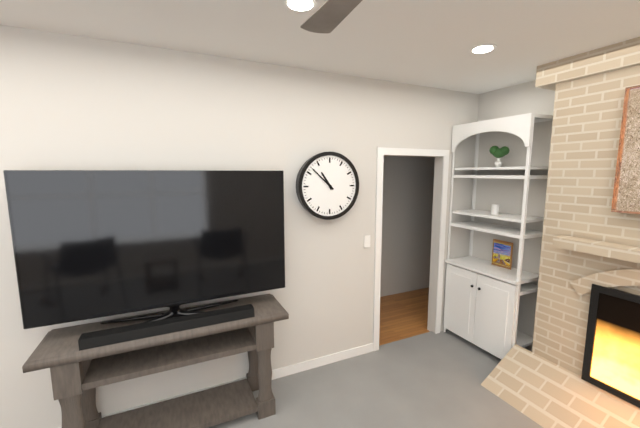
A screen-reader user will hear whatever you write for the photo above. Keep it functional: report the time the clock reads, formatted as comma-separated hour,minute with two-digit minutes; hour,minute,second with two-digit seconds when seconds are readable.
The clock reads 10,52
